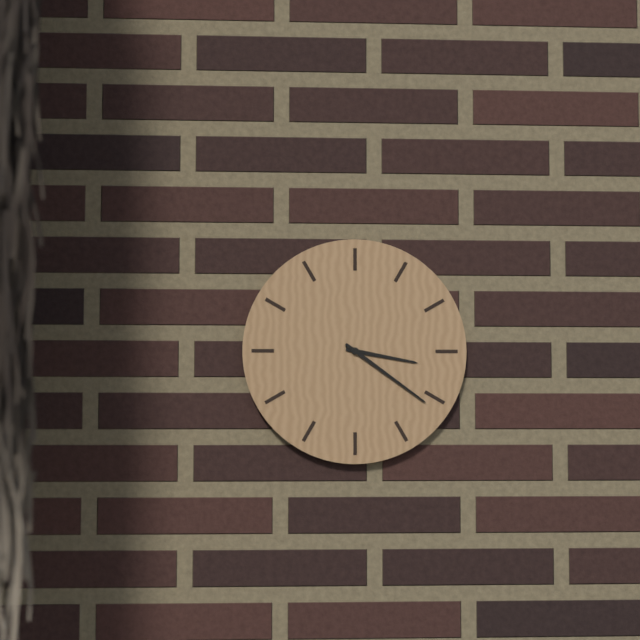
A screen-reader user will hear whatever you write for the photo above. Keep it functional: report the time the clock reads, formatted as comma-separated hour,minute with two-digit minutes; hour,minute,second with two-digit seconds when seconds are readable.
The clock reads 3,21
